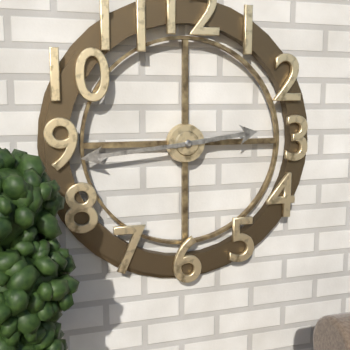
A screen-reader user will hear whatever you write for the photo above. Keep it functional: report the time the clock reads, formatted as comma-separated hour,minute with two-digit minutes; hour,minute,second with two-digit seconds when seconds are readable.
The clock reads 2,44
